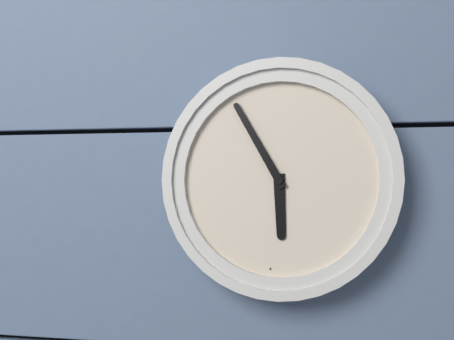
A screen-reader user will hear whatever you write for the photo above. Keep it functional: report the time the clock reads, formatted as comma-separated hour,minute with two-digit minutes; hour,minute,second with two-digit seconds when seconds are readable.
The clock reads 5,55
